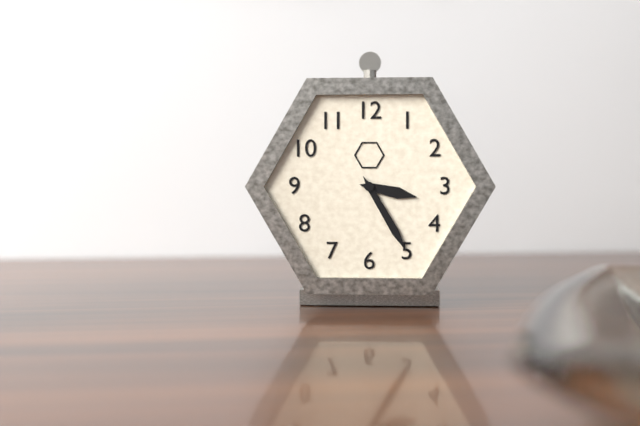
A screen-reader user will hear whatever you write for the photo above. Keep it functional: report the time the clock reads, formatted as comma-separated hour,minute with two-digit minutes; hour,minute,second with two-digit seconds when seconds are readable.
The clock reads 3,25
